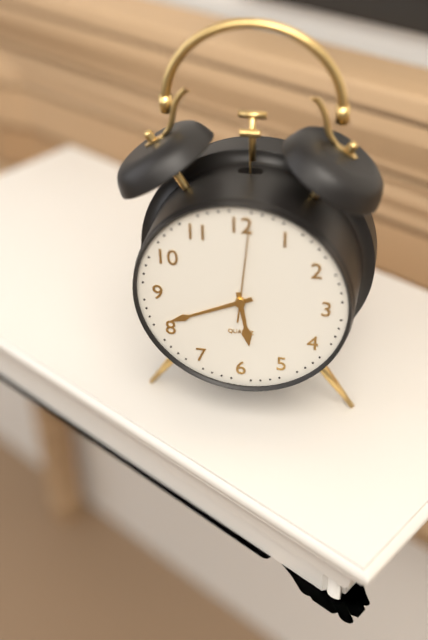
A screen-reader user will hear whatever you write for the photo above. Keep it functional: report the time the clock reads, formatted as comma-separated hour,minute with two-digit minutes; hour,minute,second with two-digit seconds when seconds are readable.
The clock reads 5,41,01
